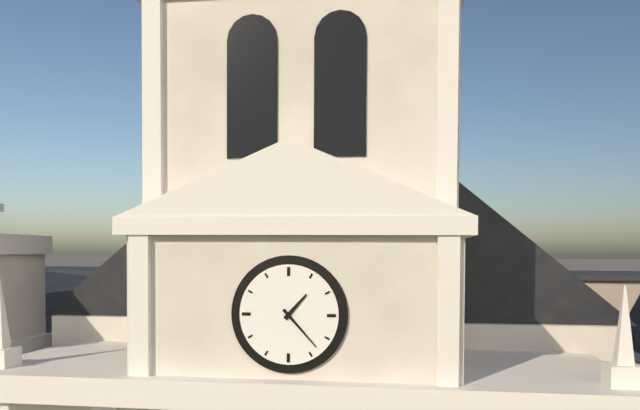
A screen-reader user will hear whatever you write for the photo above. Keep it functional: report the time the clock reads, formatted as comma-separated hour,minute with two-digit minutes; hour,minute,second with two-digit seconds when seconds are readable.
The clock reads 1,23
